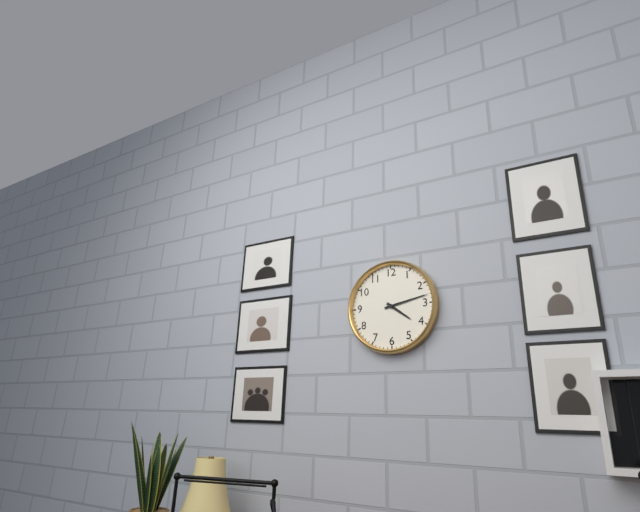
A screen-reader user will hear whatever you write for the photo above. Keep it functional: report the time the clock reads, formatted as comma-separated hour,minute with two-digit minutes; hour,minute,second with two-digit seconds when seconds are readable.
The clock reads 4,13
